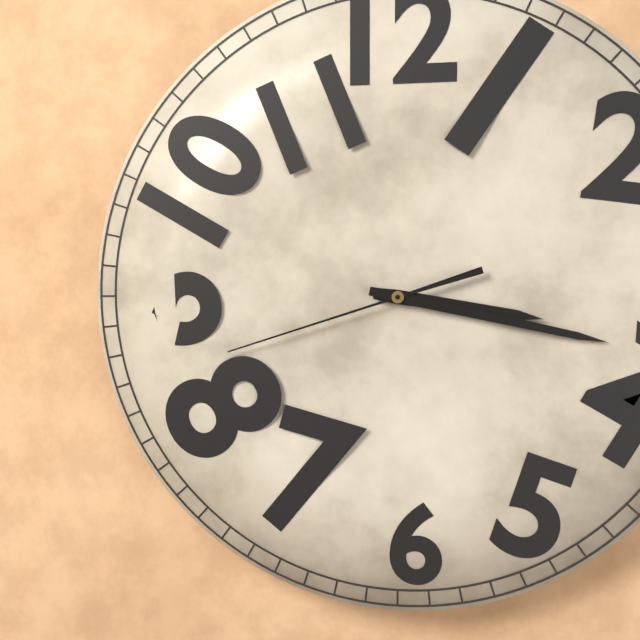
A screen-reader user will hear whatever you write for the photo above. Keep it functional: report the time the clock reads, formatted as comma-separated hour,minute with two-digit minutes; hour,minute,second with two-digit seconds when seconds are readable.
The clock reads 3,17,42
